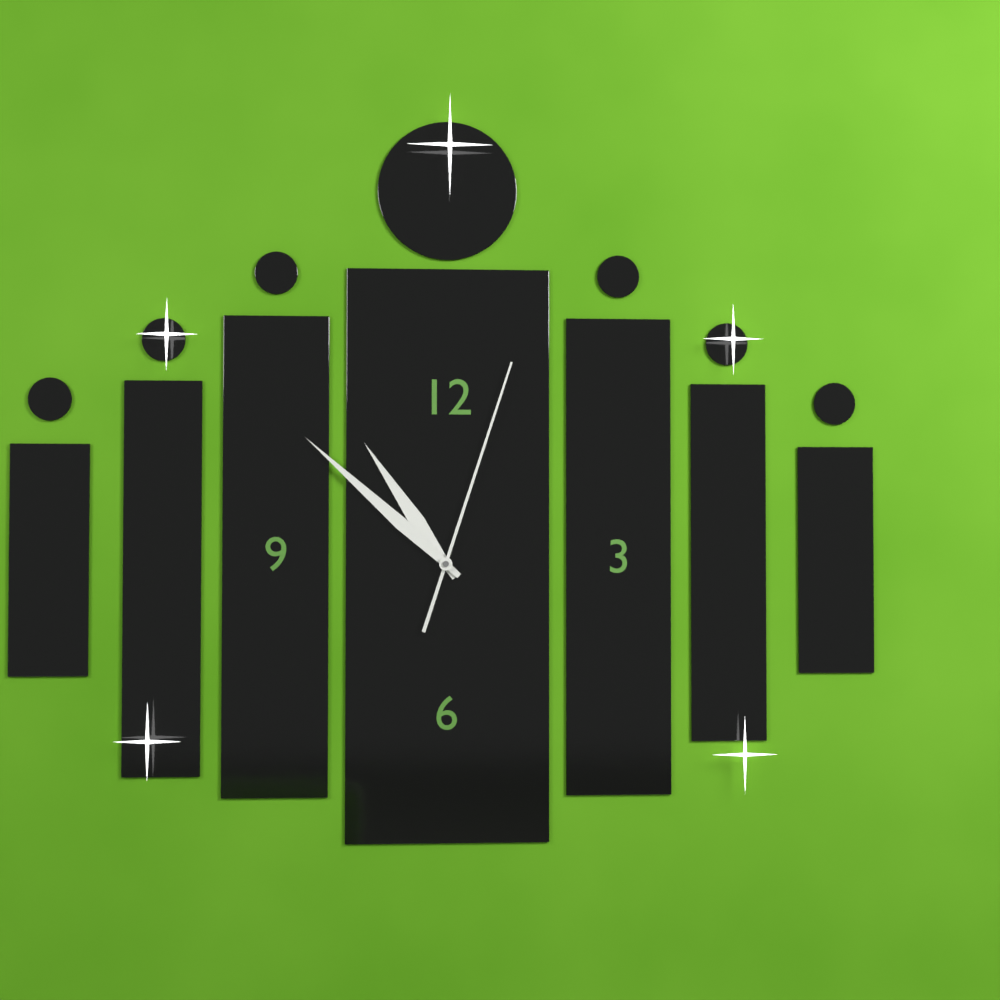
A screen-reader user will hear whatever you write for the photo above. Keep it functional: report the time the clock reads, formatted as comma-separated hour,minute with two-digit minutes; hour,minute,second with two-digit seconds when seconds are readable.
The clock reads 10,52,03
